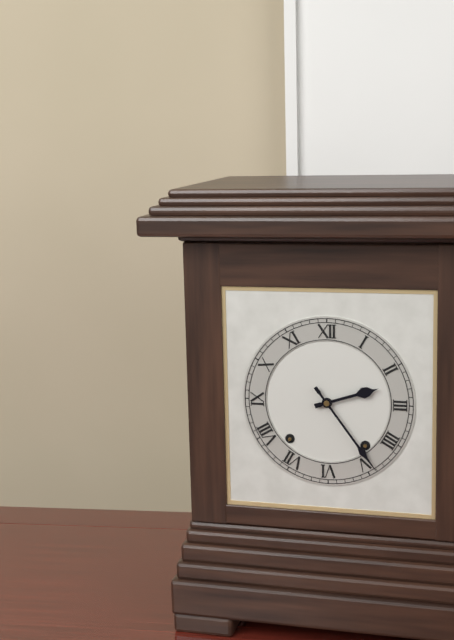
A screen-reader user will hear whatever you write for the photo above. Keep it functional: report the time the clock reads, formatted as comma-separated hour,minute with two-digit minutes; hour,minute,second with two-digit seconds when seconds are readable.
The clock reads 2,24
